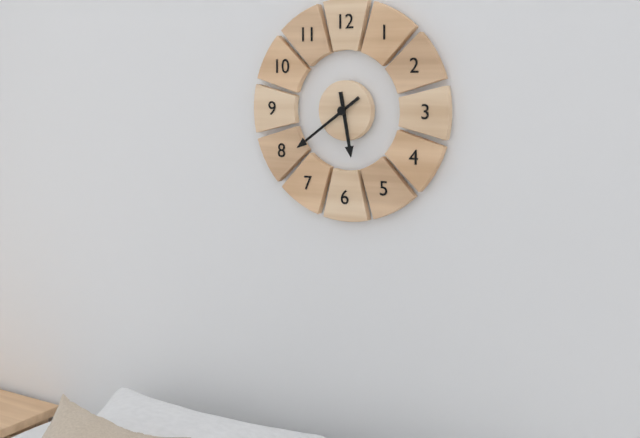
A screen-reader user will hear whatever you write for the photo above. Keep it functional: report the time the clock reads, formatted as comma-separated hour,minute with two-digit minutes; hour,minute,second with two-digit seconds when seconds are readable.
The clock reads 5,39
